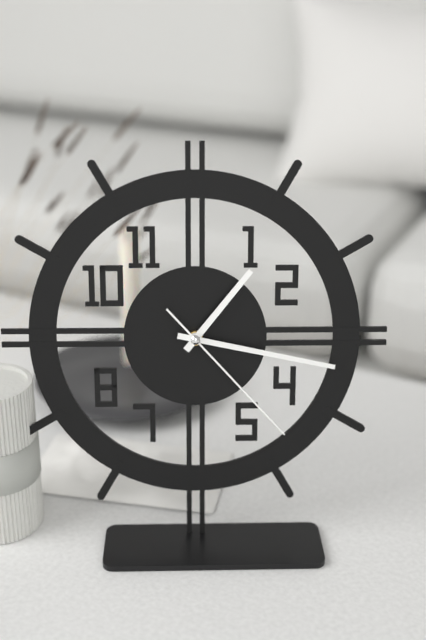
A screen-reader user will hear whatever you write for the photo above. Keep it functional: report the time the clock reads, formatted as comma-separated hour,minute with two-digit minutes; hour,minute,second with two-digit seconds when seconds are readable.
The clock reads 1,17,23
